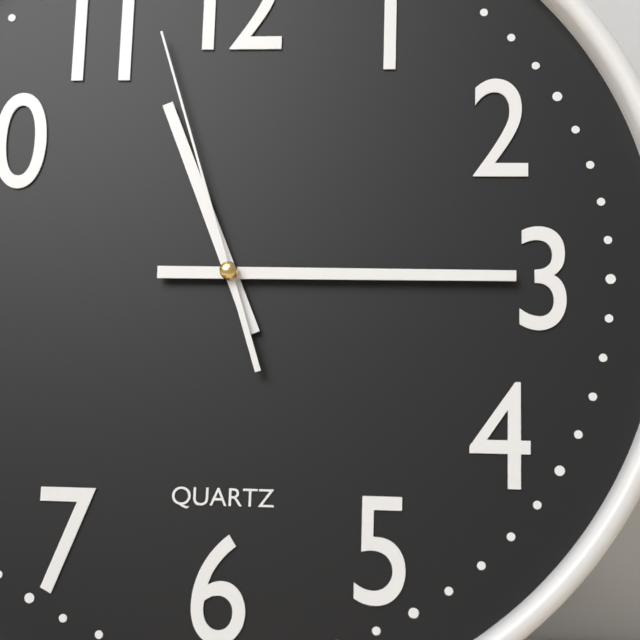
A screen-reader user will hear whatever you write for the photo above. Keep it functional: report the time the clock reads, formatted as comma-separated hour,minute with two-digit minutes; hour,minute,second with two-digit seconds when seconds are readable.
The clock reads 11,15,57
